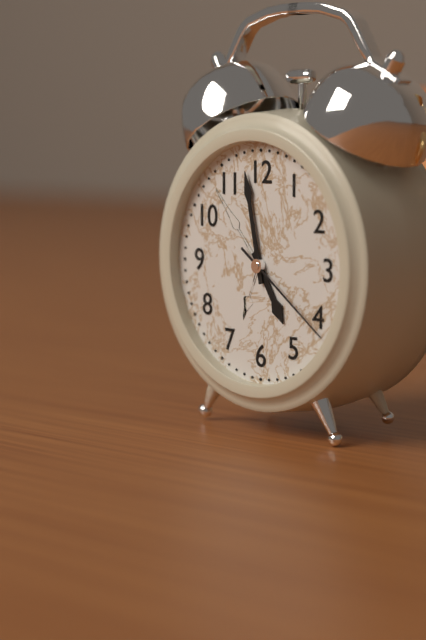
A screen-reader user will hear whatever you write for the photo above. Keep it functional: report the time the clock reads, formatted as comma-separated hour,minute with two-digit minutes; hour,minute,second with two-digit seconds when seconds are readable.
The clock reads 4,58,21
